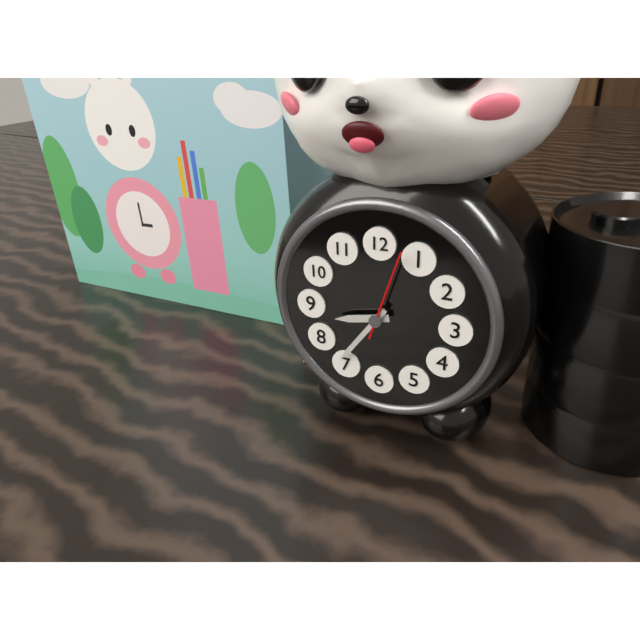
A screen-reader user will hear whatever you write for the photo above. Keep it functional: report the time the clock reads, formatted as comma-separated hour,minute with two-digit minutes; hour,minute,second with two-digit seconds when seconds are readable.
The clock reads 8,36,03
